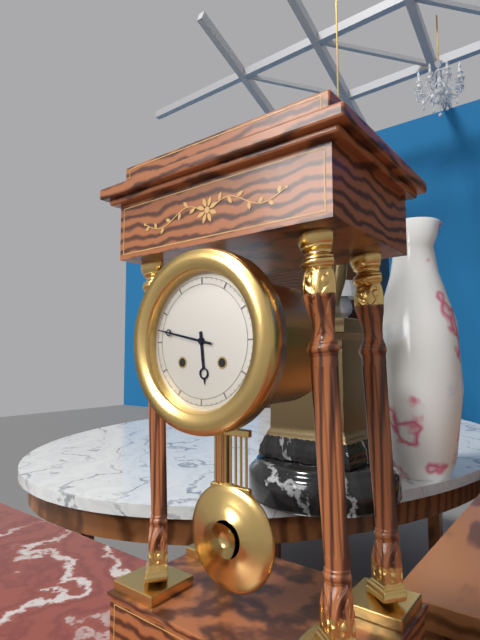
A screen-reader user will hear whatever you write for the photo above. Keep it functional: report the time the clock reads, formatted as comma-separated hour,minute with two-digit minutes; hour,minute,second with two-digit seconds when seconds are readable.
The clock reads 5,47
